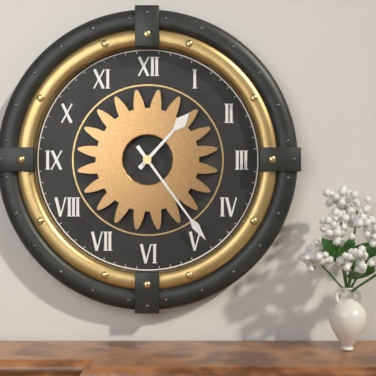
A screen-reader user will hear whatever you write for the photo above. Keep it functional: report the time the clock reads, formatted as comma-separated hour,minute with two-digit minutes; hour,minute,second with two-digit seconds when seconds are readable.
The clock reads 1,24
